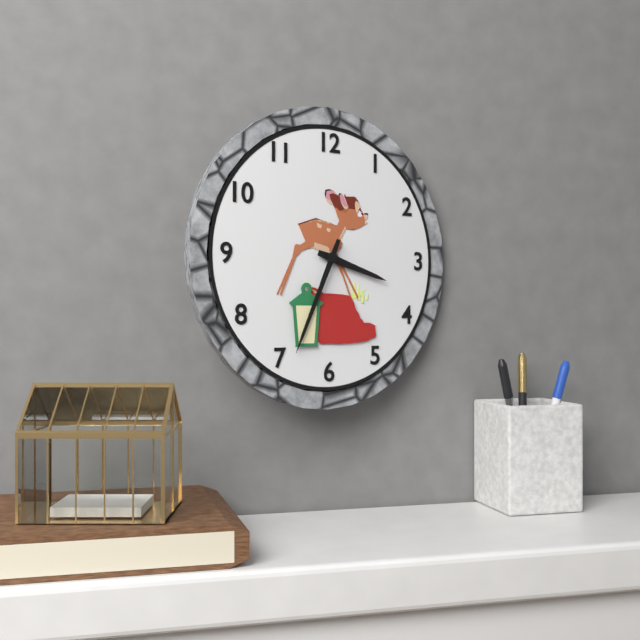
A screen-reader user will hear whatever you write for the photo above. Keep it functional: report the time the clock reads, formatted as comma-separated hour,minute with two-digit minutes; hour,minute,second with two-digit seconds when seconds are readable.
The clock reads 3,34
